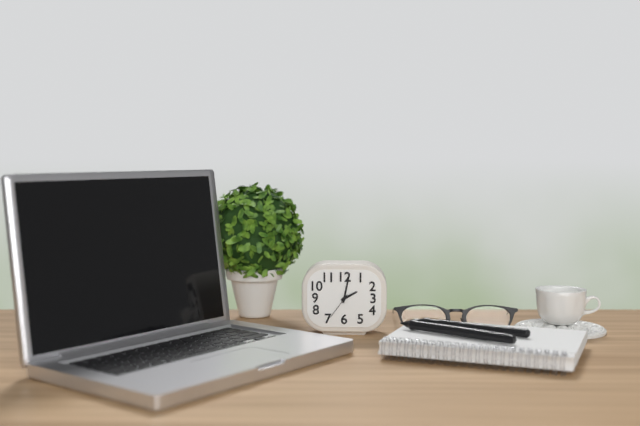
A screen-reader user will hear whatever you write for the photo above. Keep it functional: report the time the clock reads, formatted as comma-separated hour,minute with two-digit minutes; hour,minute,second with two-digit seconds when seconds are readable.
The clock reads 2,02
